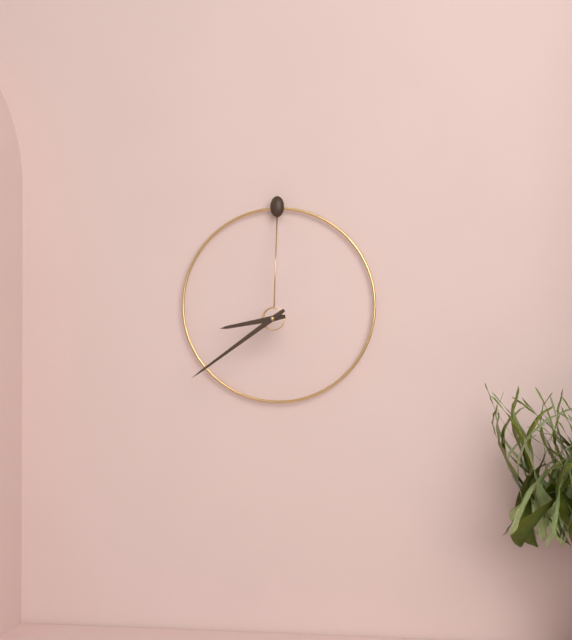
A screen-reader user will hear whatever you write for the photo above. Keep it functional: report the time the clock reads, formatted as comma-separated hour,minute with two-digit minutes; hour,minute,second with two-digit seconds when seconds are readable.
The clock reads 8,39
